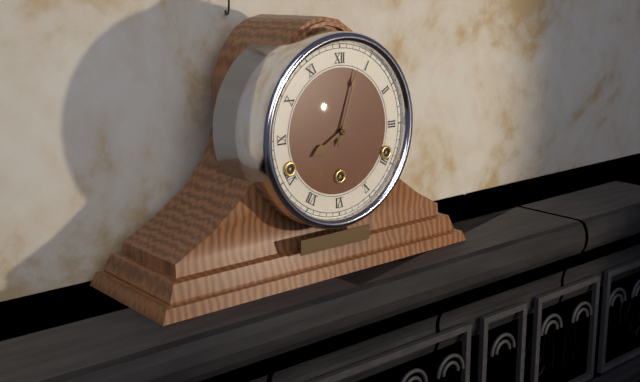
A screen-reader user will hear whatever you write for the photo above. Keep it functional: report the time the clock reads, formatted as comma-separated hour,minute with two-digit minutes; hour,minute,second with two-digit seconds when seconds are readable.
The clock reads 8,03
